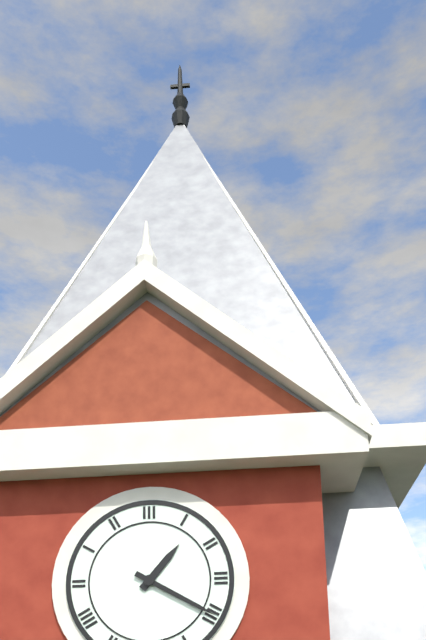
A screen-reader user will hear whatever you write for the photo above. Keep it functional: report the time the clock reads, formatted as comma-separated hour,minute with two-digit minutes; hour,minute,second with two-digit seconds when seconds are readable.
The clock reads 1,20
